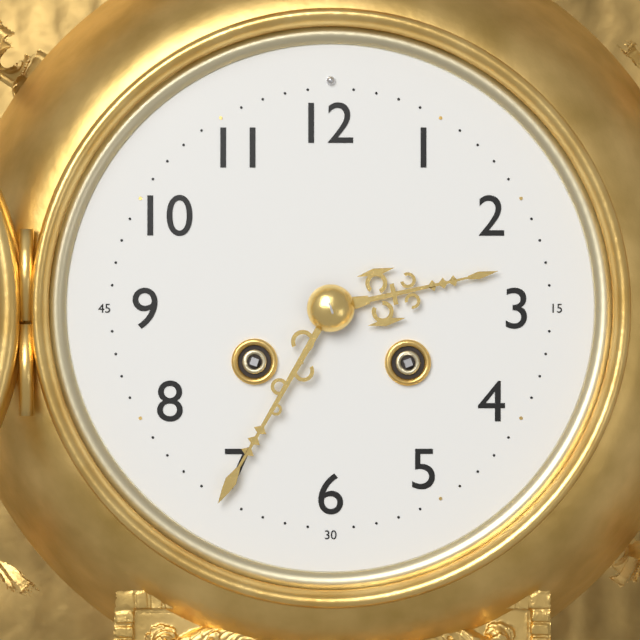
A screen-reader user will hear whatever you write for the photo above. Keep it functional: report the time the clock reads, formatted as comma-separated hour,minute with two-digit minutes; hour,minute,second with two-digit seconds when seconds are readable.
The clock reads 2,35
